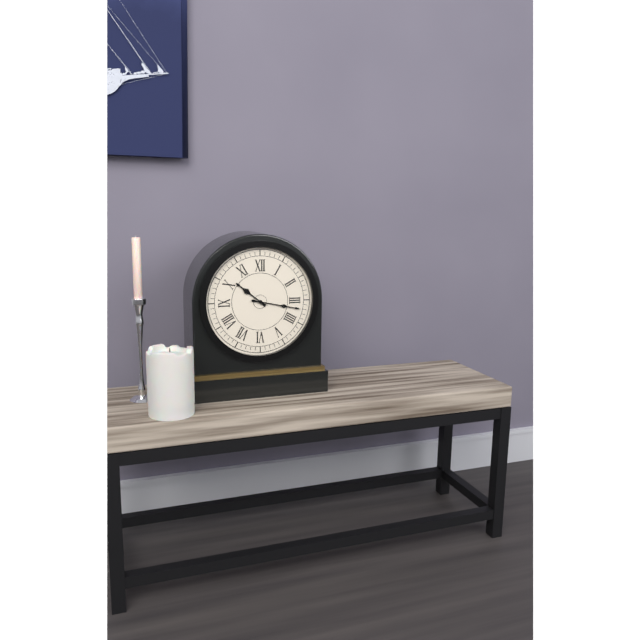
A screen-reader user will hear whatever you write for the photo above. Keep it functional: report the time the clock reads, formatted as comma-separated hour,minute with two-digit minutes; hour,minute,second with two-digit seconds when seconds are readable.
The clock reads 10,17
